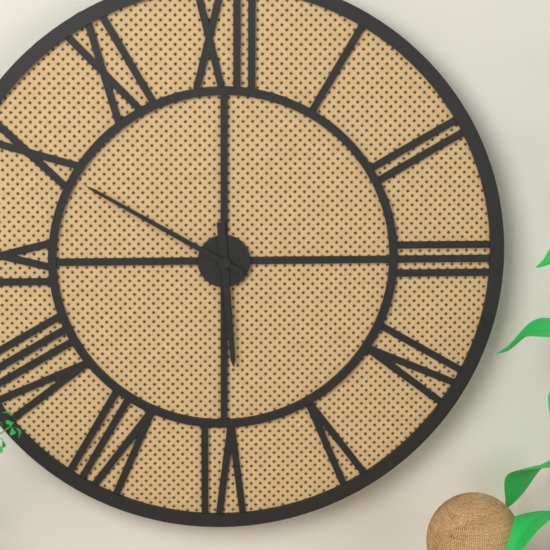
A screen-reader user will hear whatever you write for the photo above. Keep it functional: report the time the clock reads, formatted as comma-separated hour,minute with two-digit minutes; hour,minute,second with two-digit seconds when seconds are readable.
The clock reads 5,50
